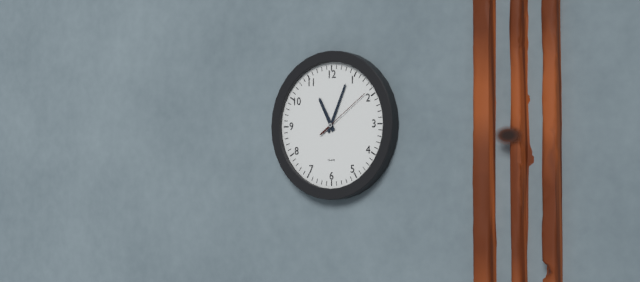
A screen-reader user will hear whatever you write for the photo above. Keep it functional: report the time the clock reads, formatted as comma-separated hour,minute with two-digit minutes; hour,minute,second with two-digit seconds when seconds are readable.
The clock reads 11,04,09
